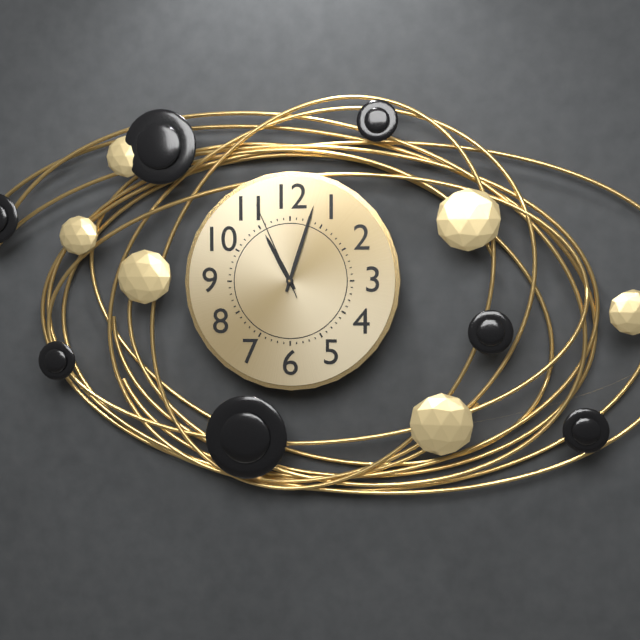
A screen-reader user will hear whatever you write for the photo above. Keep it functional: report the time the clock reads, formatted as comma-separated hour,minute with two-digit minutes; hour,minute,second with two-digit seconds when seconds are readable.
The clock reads 11,03,56
